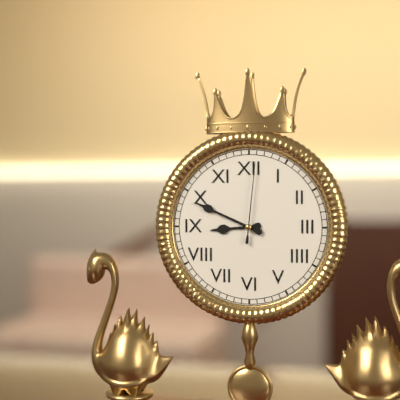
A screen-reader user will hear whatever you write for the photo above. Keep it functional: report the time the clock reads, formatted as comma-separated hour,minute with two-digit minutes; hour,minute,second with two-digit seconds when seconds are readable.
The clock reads 8,49,01
